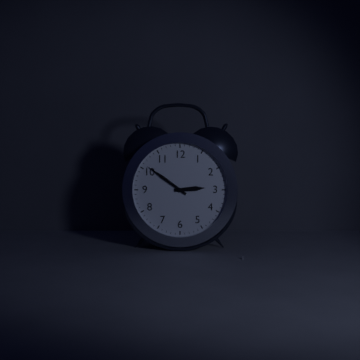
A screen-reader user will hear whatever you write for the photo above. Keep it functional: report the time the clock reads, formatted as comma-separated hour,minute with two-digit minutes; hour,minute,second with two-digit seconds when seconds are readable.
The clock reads 2,51
